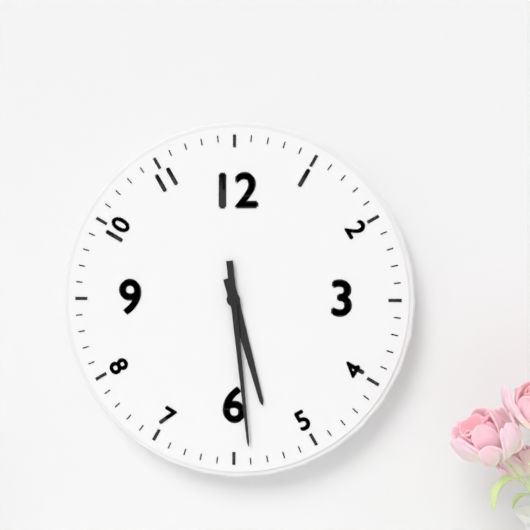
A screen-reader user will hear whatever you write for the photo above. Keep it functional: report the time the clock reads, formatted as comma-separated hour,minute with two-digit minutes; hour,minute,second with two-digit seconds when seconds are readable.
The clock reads 5,29
